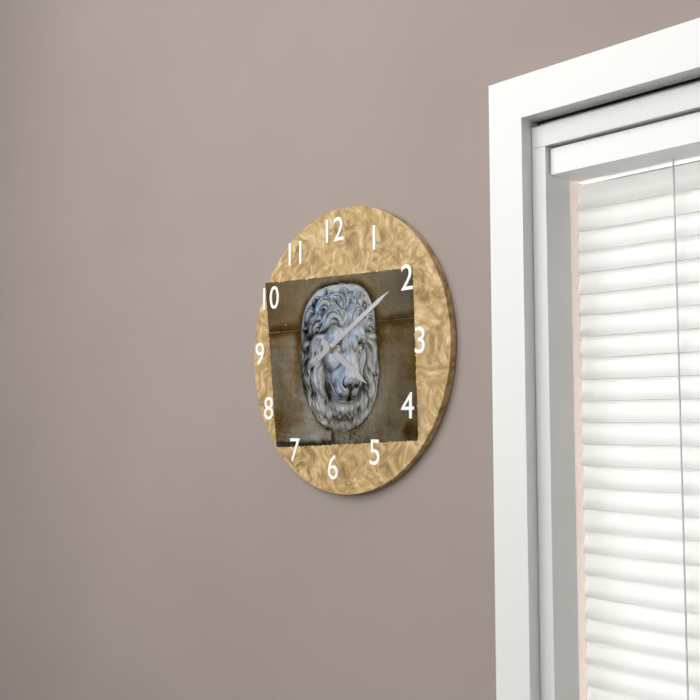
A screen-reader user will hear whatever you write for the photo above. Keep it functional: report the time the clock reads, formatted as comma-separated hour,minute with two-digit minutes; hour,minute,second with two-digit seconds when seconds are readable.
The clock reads 4,10
